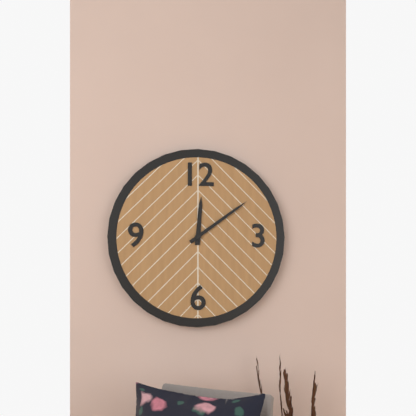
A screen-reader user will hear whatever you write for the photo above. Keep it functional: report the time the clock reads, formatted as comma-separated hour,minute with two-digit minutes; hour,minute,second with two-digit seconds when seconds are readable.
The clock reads 12,09
